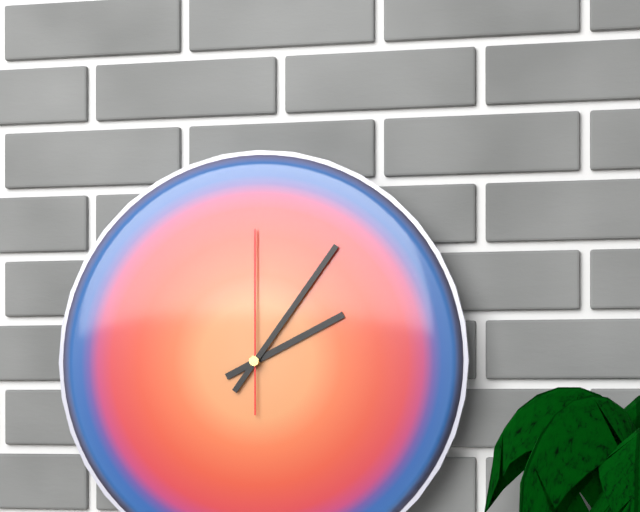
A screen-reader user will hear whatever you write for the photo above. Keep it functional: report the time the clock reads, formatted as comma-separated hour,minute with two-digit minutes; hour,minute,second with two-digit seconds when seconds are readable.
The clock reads 2,06,00
